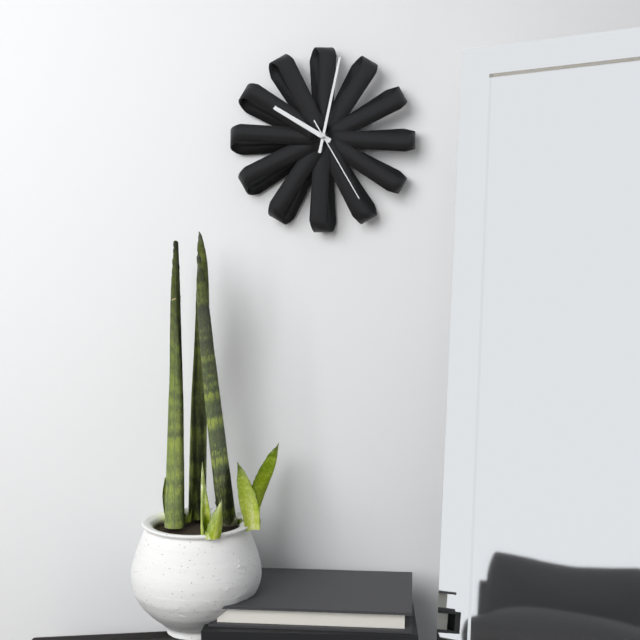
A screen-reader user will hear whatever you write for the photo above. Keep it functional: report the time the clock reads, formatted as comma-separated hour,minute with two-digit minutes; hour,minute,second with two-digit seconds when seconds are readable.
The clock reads 10,02,25
